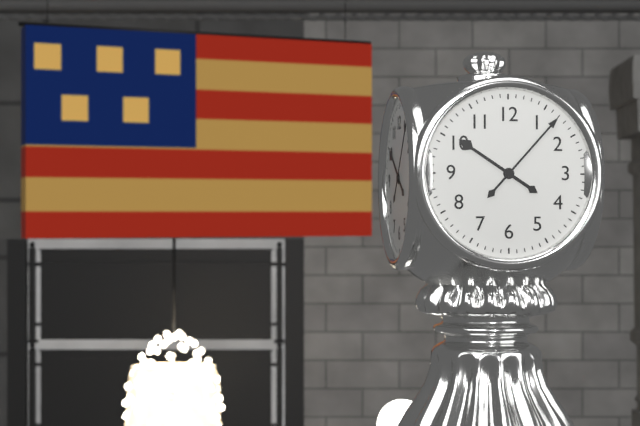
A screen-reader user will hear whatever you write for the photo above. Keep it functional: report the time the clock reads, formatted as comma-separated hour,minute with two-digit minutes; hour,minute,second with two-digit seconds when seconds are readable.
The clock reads 10,07
